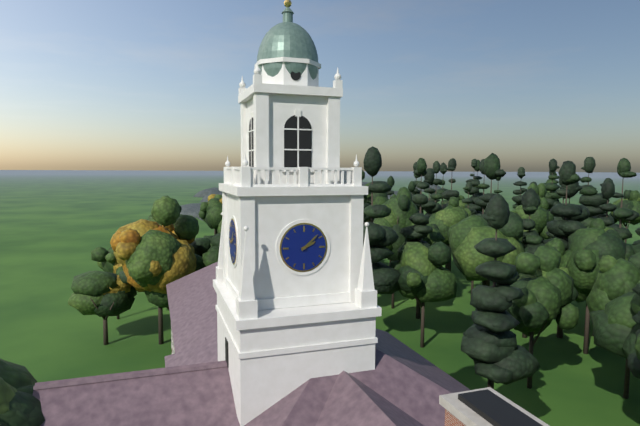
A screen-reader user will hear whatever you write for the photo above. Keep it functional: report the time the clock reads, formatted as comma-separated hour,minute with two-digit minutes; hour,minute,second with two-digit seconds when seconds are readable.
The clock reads 2,08
